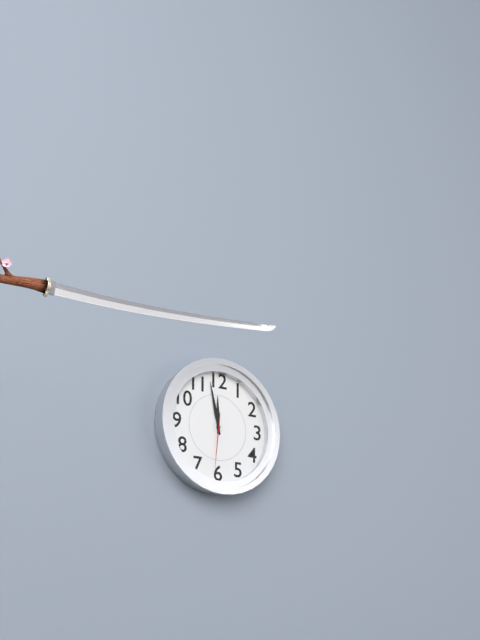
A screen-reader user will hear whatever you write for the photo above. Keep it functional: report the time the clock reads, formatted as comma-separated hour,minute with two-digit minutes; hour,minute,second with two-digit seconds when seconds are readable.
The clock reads 11,58,31
